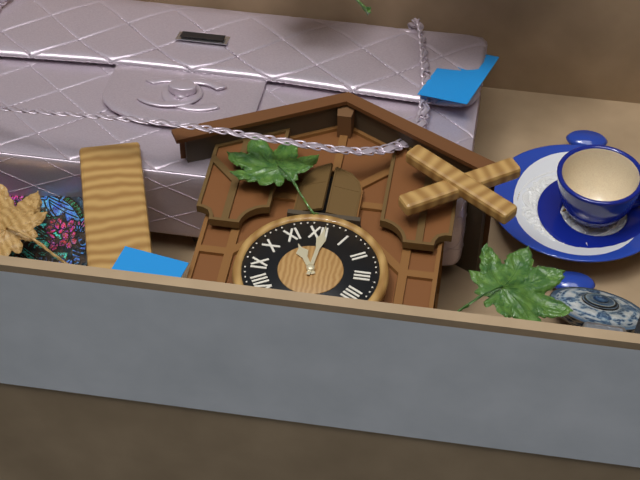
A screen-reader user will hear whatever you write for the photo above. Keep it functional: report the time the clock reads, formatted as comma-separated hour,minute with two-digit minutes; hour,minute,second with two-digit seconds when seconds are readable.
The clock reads 11,01
